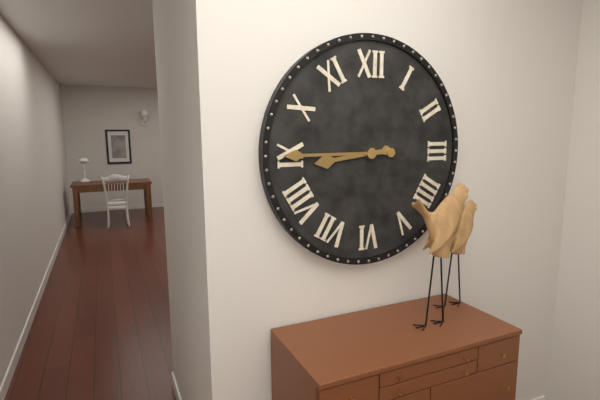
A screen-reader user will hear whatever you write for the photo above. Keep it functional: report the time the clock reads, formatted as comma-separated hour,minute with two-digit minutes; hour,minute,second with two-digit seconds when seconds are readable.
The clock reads 8,45
